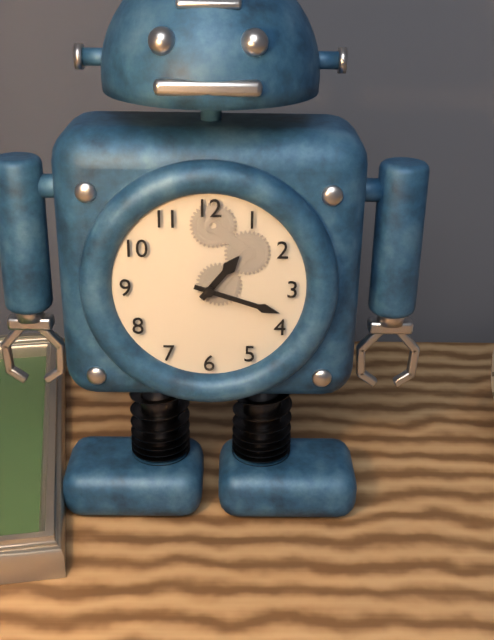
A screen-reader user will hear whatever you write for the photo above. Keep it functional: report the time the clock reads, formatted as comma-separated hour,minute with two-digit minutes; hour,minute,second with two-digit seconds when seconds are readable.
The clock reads 1,18
